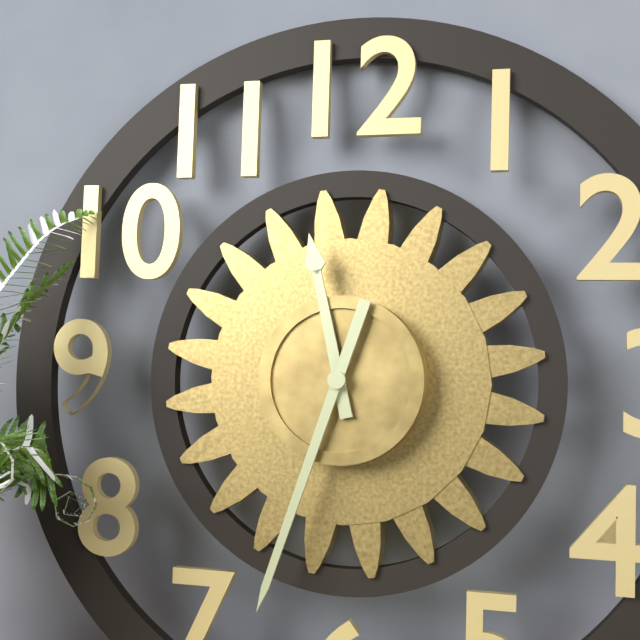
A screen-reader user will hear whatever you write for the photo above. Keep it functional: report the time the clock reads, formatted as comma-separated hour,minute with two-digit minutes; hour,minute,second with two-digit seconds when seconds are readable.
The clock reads 11,33
